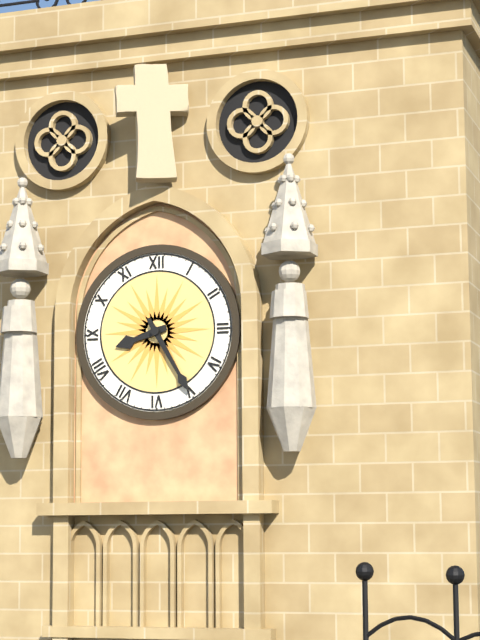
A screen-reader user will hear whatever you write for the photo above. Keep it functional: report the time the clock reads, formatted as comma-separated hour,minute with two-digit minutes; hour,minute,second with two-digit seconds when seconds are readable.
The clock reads 8,25
